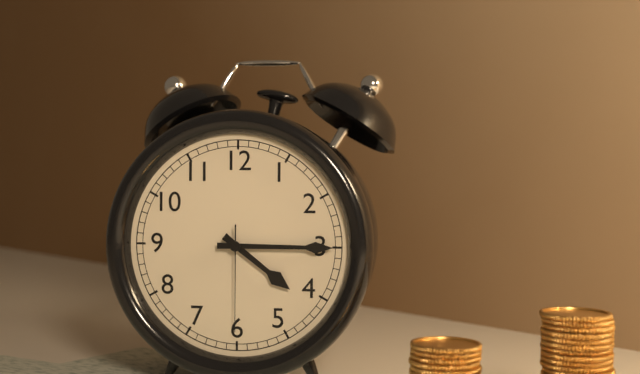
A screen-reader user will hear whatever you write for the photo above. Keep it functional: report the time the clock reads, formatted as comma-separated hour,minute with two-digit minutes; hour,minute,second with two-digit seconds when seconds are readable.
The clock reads 4,15,30
